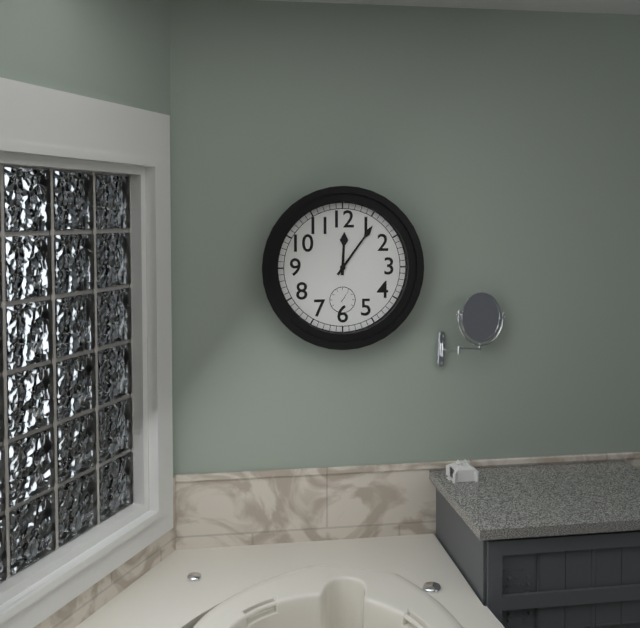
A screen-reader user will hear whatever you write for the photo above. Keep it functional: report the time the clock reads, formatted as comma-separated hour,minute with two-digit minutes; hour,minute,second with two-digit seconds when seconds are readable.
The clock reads 12,06
